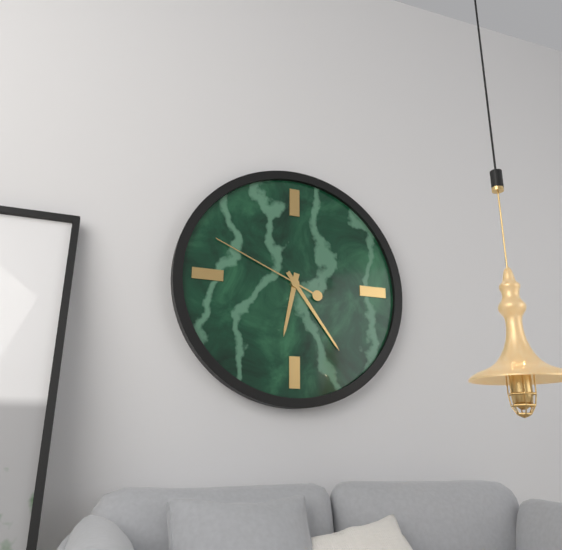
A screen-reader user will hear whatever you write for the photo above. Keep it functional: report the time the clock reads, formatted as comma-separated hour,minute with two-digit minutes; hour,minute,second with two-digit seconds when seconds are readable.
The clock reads 6,24,49
